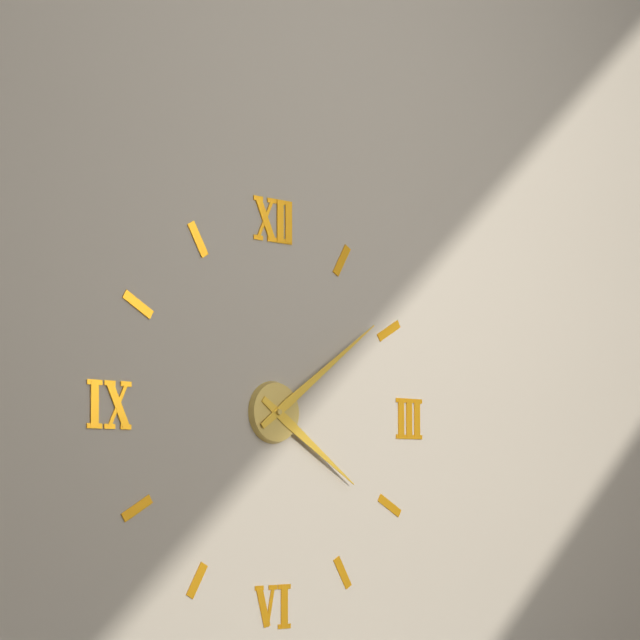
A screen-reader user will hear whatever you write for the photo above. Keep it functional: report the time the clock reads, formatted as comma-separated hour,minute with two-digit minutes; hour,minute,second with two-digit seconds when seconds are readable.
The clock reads 4,09
